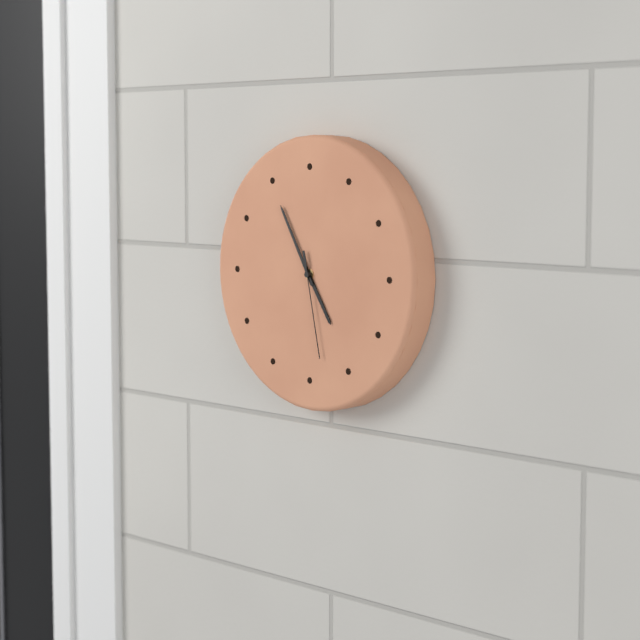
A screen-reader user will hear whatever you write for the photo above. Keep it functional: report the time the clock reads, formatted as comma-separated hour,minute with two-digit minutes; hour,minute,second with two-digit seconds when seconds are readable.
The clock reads 4,55,28
